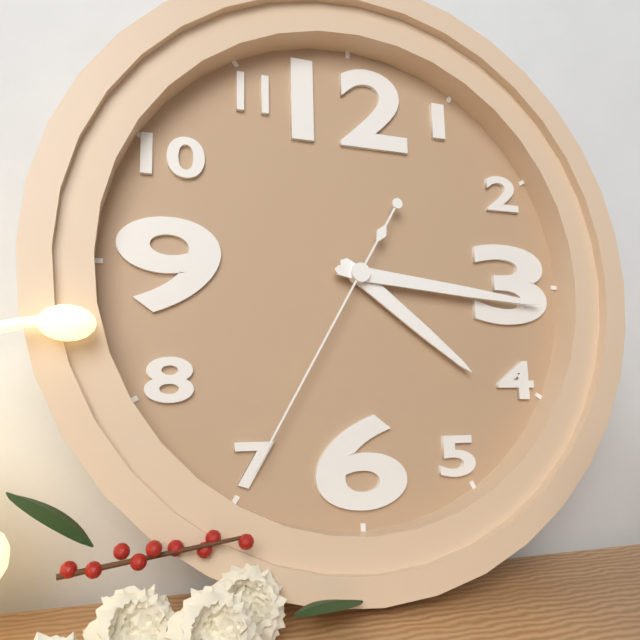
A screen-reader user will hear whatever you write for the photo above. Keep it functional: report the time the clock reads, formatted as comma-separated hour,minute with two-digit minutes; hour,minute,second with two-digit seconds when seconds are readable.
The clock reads 4,16,35
